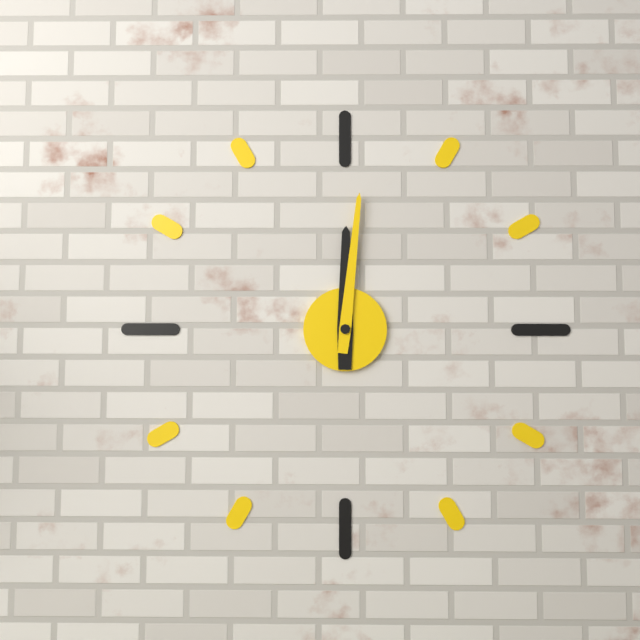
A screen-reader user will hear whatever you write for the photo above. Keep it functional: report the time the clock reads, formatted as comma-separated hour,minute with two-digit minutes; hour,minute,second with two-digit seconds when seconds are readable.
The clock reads 12,01
